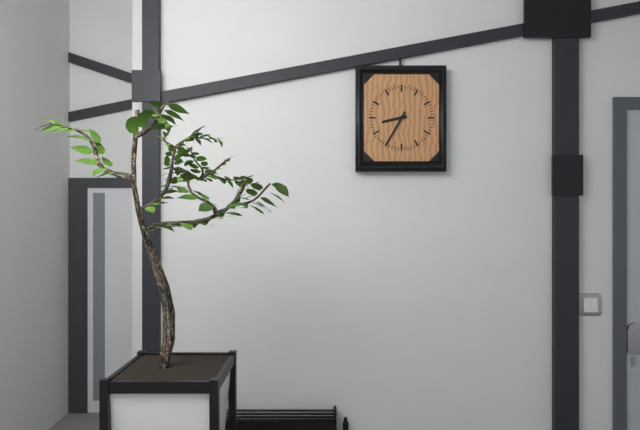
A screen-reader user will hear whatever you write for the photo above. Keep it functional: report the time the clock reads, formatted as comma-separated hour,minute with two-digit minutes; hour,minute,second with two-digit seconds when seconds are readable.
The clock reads 8,35
